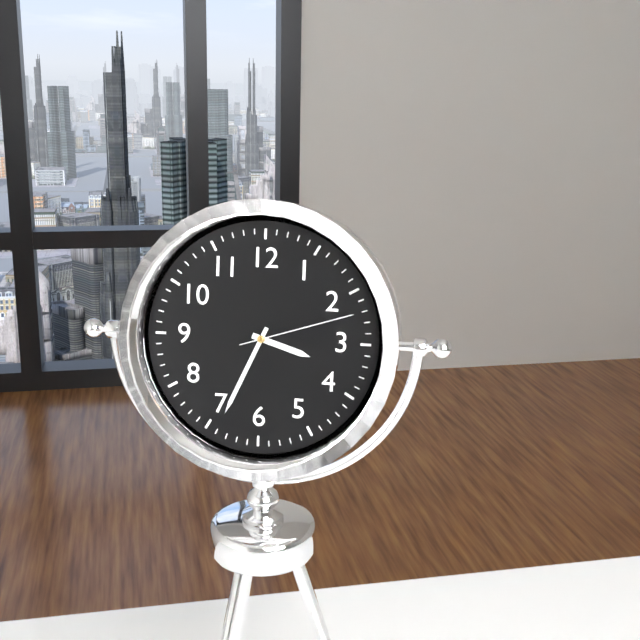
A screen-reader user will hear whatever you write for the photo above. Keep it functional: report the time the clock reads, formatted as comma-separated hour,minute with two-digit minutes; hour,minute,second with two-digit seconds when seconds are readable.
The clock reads 3,34,12
